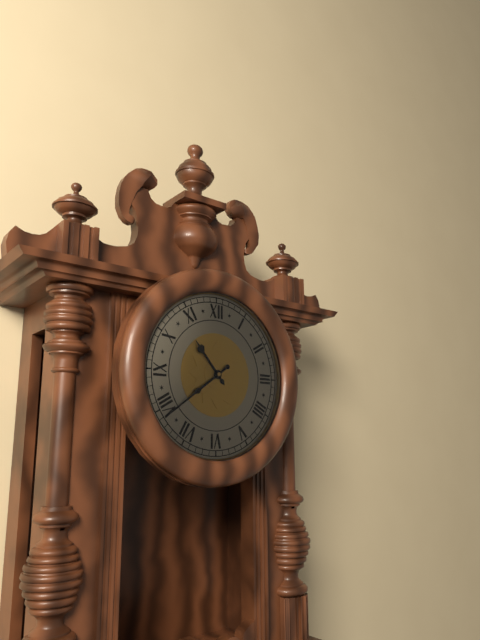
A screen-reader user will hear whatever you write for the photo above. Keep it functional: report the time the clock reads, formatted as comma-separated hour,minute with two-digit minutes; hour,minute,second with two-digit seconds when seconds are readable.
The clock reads 10,39
